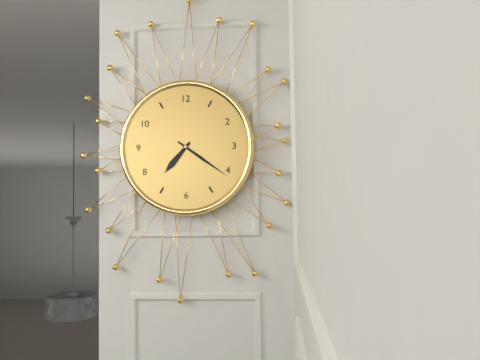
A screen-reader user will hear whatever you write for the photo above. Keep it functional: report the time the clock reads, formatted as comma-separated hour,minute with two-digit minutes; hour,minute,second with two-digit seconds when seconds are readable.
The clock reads 7,21
